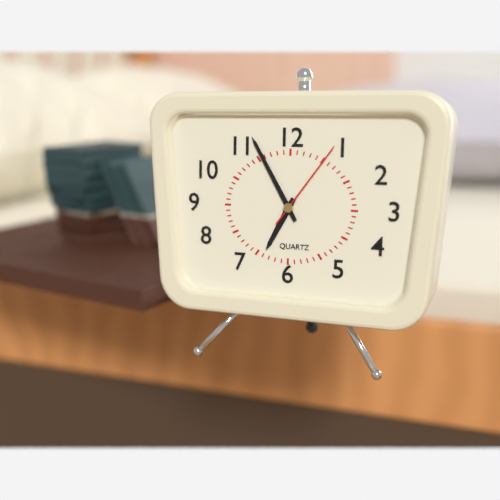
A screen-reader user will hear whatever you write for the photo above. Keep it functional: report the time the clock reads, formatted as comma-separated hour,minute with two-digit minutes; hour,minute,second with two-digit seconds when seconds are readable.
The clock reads 6,55,06
